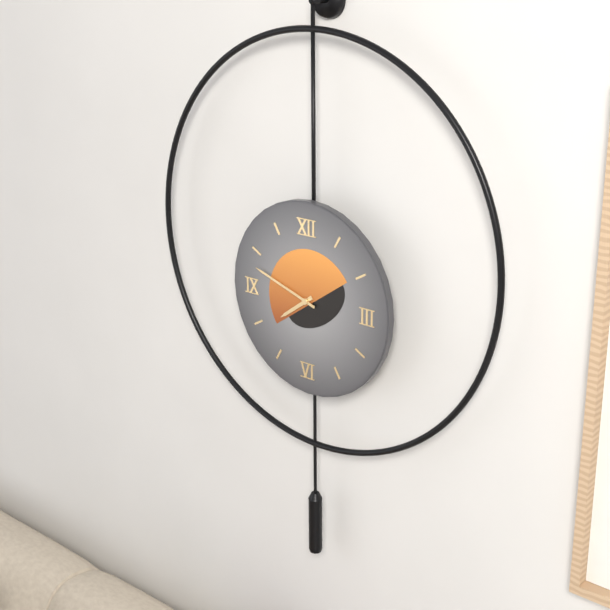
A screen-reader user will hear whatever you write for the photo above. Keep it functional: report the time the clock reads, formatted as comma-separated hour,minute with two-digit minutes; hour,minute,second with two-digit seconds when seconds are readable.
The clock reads 7,48
